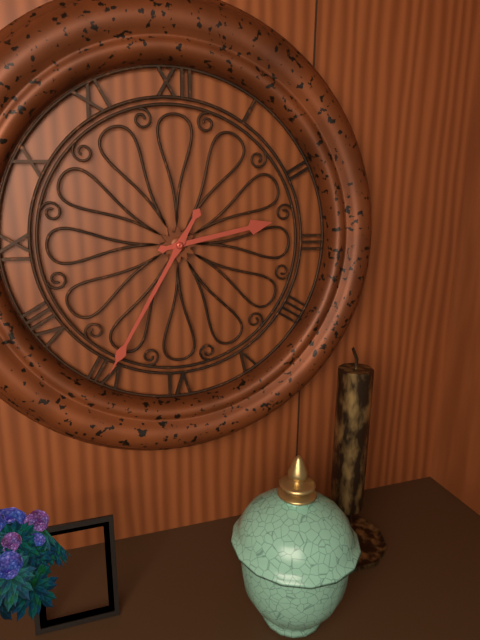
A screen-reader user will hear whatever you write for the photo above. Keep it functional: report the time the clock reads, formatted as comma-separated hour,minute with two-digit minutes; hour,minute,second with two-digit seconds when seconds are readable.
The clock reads 2,35
